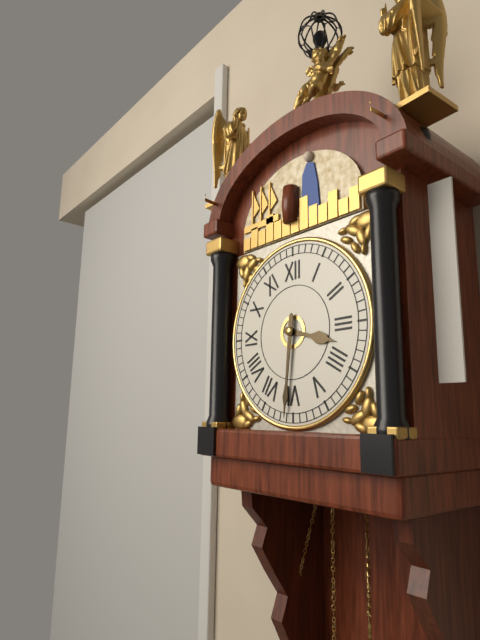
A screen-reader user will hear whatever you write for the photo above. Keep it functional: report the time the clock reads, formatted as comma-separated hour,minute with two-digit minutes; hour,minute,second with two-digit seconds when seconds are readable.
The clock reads 3,31
